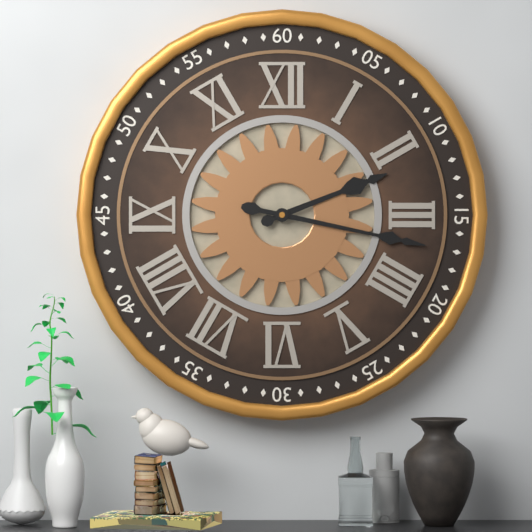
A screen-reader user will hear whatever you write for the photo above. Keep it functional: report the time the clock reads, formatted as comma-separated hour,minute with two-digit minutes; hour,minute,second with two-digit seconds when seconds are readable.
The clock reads 2,17
